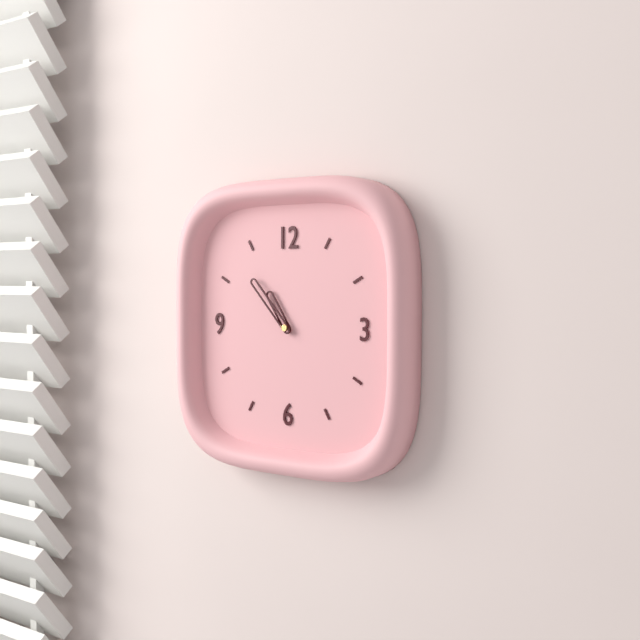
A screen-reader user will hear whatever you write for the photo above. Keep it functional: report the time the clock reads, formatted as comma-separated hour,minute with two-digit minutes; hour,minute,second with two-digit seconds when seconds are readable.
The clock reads 10,53
